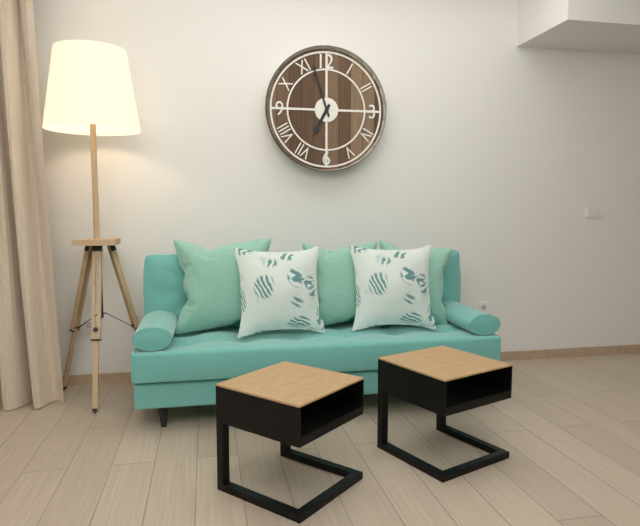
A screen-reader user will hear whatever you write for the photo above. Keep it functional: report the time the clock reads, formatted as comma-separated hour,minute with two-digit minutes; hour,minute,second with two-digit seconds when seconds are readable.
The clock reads 6,57
